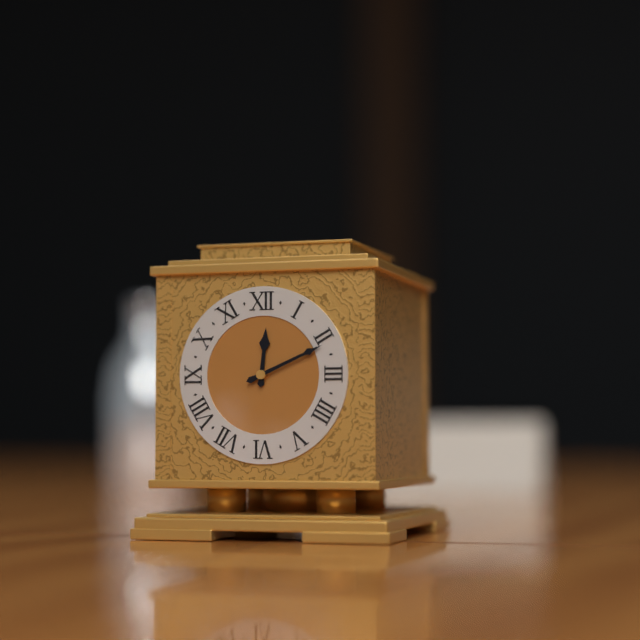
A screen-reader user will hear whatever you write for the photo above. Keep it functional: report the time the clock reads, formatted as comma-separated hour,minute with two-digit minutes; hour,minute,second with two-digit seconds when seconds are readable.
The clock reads 12,11
